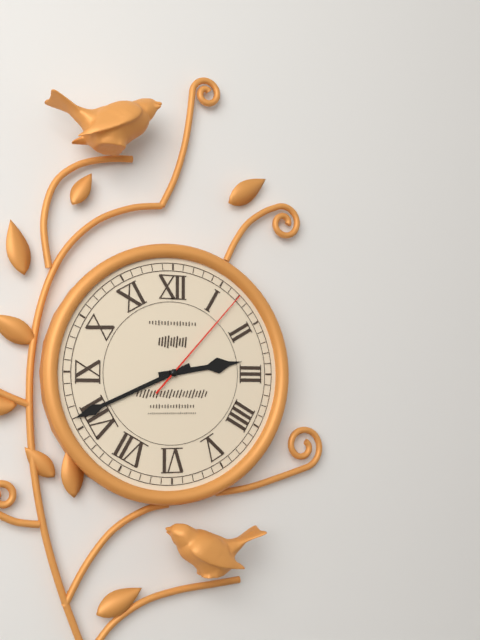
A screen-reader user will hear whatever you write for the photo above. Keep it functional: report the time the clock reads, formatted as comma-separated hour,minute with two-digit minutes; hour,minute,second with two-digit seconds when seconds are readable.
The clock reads 2,41,07
